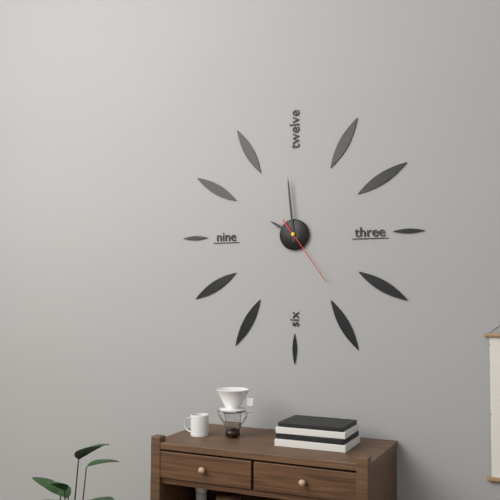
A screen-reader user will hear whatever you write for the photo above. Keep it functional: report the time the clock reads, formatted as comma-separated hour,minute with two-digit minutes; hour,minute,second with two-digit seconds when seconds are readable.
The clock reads 9,59,24
